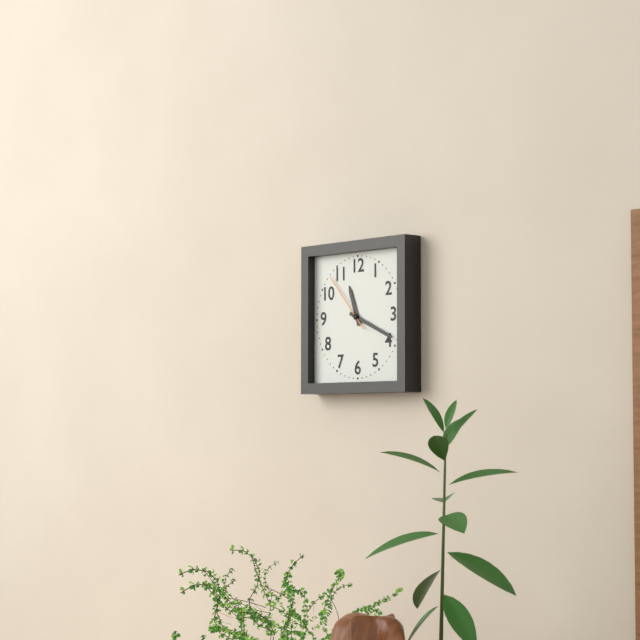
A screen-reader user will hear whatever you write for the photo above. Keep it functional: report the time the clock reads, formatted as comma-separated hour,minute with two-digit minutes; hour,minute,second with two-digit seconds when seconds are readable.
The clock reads 11,19,53
